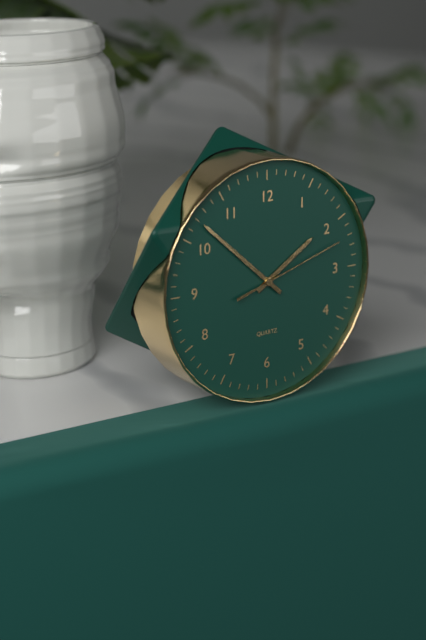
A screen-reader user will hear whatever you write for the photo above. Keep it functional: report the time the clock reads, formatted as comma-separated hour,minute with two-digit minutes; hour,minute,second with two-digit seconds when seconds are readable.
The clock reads 1,52,12
